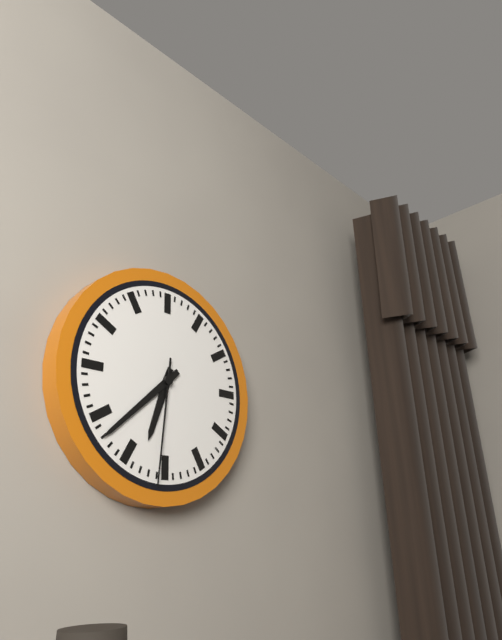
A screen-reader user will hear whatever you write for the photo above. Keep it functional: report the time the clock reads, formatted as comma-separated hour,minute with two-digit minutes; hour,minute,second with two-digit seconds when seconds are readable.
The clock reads 6,38,31
